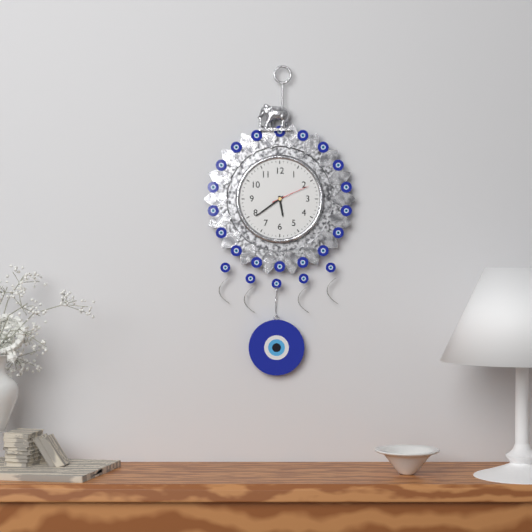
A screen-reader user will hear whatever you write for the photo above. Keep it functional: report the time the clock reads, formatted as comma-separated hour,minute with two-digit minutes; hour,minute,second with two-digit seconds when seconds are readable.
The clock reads 5,39
